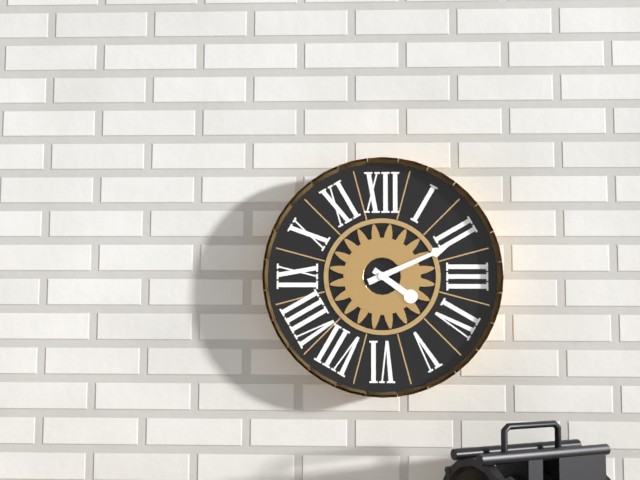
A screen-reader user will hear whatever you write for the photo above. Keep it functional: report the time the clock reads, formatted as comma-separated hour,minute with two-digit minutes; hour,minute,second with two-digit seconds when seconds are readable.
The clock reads 4,11
